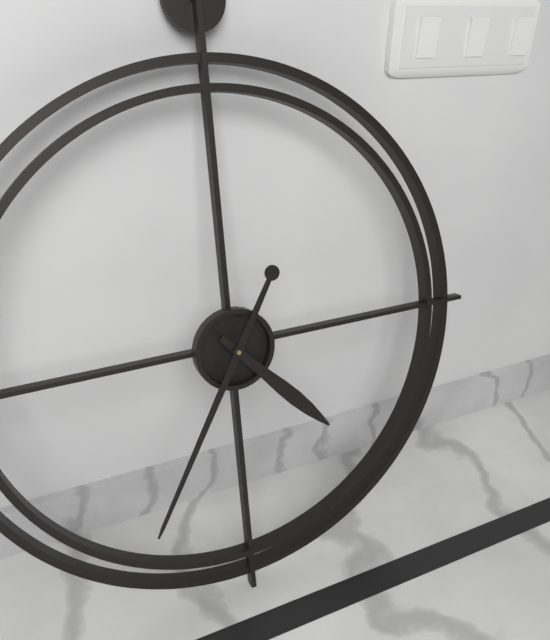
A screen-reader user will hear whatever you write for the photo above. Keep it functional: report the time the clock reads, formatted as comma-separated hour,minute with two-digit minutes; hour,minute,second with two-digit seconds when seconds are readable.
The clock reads 4,35
